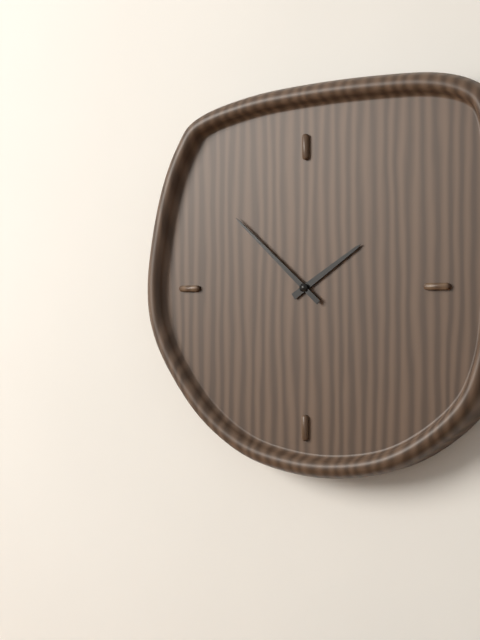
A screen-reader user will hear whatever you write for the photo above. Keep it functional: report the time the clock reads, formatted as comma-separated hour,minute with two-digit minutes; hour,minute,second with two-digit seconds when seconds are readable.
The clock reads 1,52
